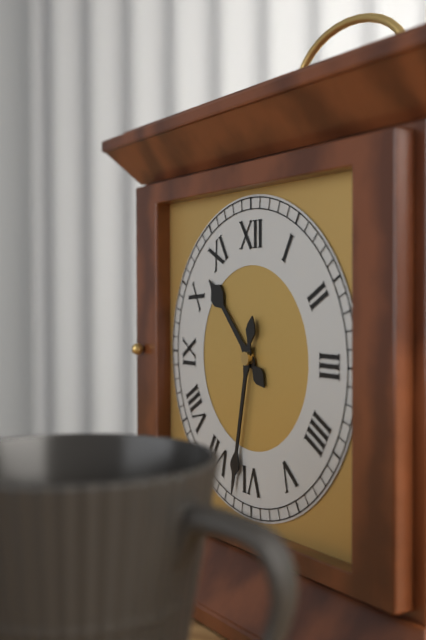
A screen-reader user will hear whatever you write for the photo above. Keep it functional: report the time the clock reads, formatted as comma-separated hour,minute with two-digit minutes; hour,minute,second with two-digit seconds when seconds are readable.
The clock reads 10,32
